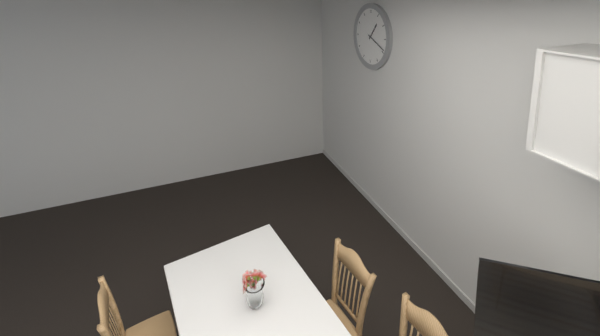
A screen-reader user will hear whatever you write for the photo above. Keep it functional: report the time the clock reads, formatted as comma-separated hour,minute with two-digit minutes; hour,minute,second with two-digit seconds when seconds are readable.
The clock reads 1,19
